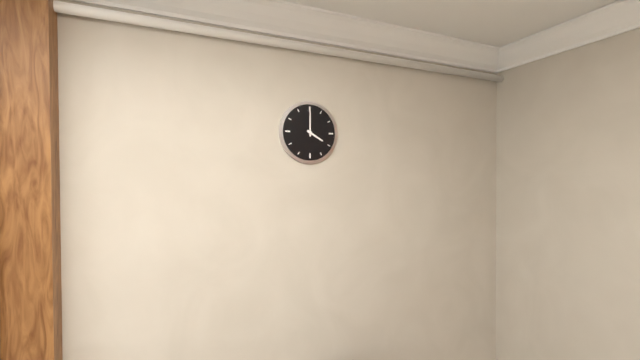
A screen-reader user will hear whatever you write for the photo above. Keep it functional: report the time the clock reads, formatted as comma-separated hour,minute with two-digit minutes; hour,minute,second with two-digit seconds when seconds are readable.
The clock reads 4,00
